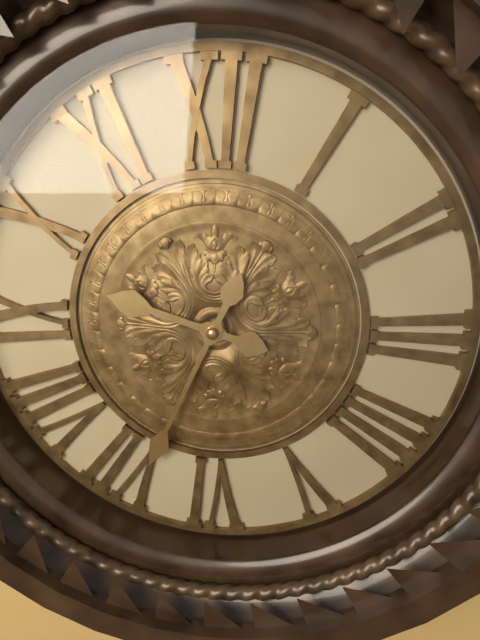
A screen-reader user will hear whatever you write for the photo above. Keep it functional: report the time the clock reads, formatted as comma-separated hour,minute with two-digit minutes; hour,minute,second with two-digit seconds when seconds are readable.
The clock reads 9,34
